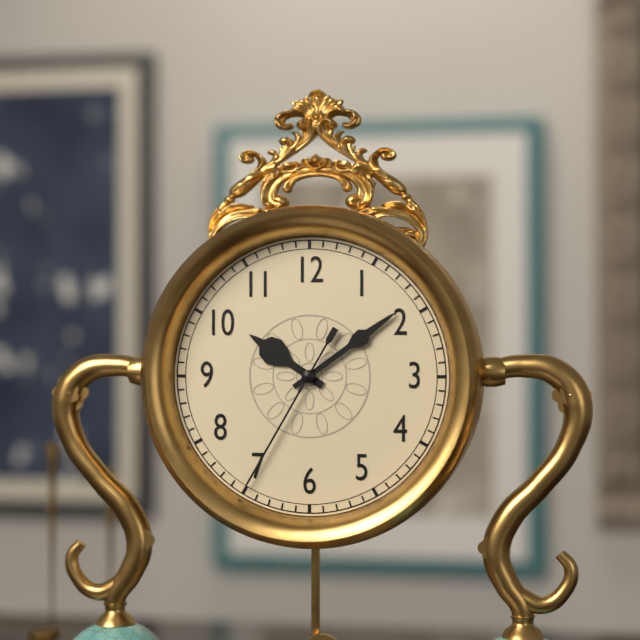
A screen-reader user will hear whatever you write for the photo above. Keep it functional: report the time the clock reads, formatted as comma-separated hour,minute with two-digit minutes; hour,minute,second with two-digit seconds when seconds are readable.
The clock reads 10,09,35
